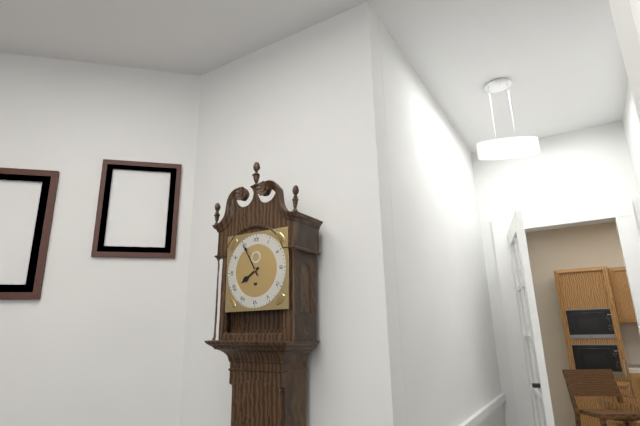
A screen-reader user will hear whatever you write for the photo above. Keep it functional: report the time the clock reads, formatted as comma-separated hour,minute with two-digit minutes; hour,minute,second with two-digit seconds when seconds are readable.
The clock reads 7,55
